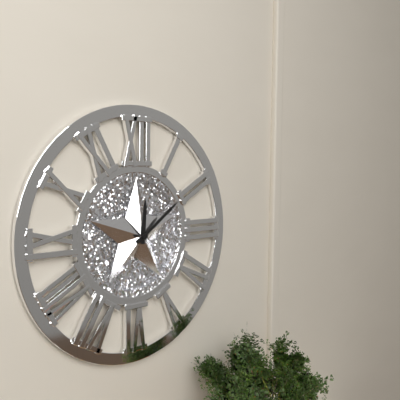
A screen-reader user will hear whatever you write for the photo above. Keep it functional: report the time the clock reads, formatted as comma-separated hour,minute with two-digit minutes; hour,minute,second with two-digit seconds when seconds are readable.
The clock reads 12,09
